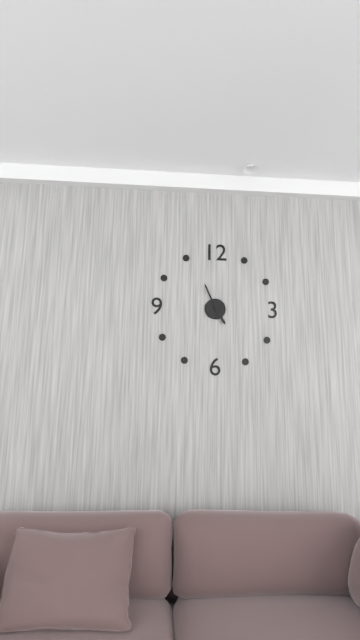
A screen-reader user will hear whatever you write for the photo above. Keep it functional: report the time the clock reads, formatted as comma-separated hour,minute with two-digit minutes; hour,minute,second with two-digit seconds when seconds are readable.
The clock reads 4,56
